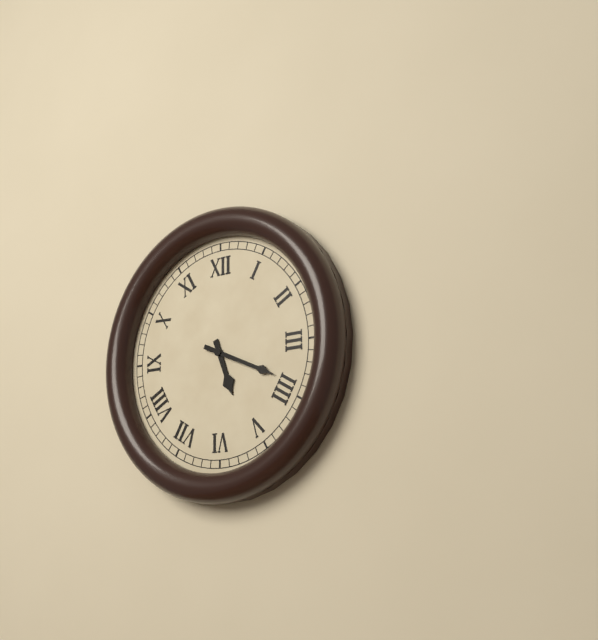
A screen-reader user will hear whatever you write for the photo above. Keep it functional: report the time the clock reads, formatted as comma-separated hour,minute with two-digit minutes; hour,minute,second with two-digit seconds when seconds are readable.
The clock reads 5,19
